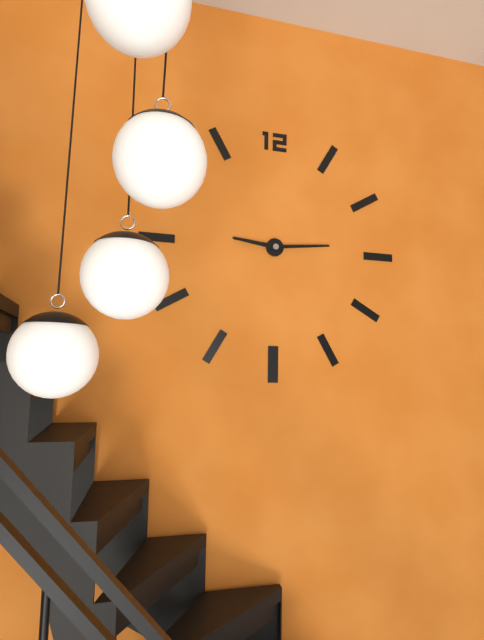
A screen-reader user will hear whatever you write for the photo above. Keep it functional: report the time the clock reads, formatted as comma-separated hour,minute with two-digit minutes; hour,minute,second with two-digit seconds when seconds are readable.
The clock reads 9,14
